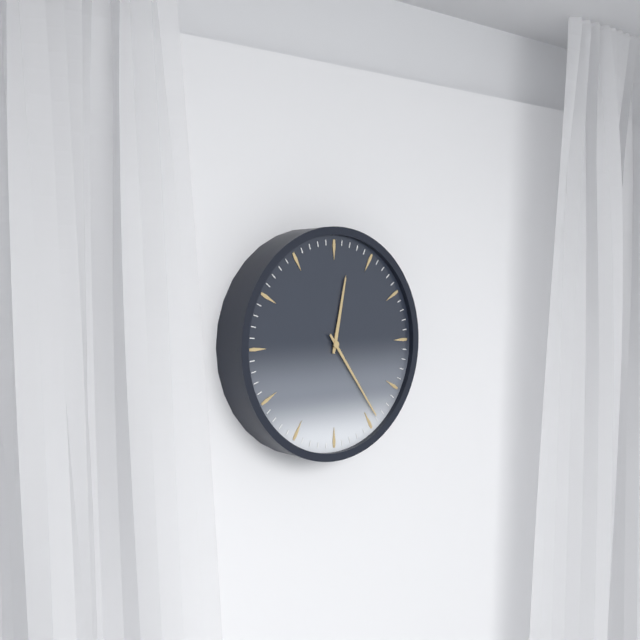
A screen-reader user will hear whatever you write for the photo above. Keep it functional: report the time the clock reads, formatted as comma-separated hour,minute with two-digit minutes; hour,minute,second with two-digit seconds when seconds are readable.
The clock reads 12,24
